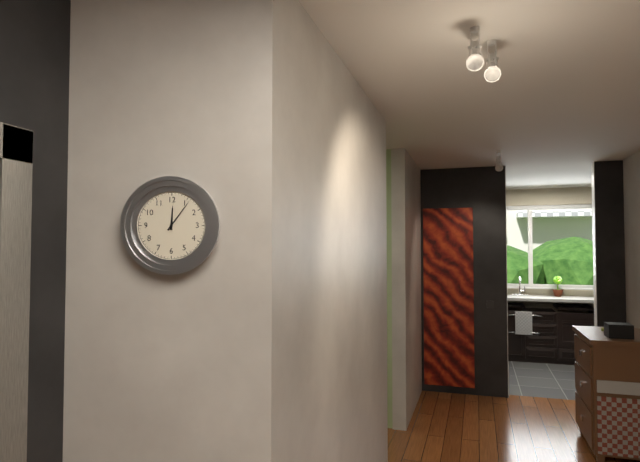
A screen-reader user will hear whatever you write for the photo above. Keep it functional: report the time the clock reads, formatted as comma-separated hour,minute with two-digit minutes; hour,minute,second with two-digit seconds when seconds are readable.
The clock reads 12,06
